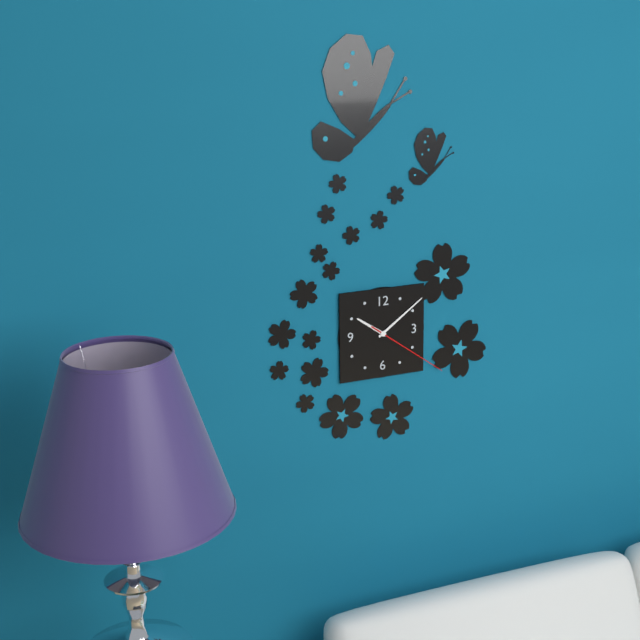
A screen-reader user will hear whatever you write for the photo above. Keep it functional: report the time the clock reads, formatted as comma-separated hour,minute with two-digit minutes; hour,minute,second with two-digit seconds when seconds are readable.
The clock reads 10,09,21
